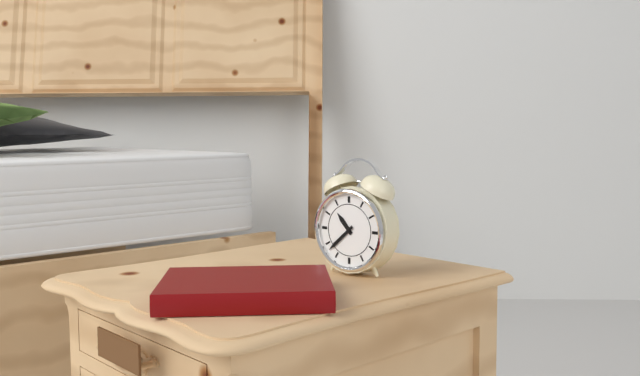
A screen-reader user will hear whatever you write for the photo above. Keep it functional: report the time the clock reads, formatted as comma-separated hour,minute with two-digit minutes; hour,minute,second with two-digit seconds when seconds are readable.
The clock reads 10,38
